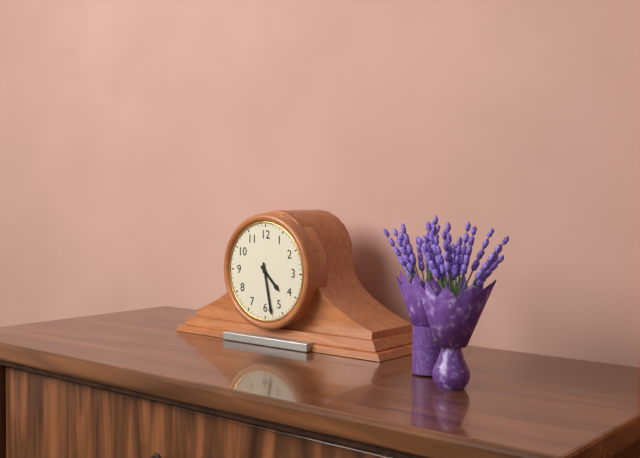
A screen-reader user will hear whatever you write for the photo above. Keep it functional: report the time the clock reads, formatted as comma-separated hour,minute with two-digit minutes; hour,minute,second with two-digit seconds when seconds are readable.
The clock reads 4,28
